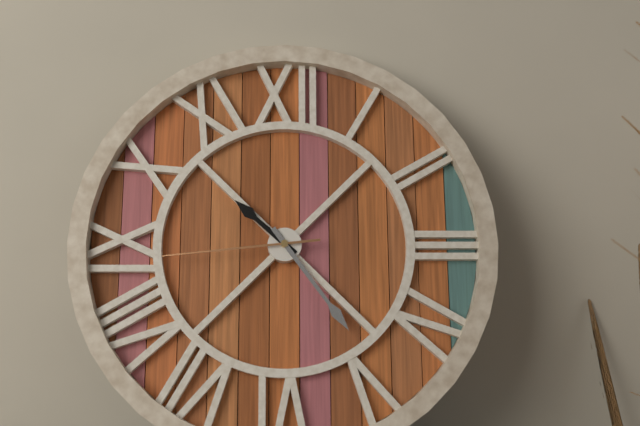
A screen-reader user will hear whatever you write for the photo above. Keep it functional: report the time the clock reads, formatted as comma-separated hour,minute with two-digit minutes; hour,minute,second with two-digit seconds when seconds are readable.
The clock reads 10,24,44
